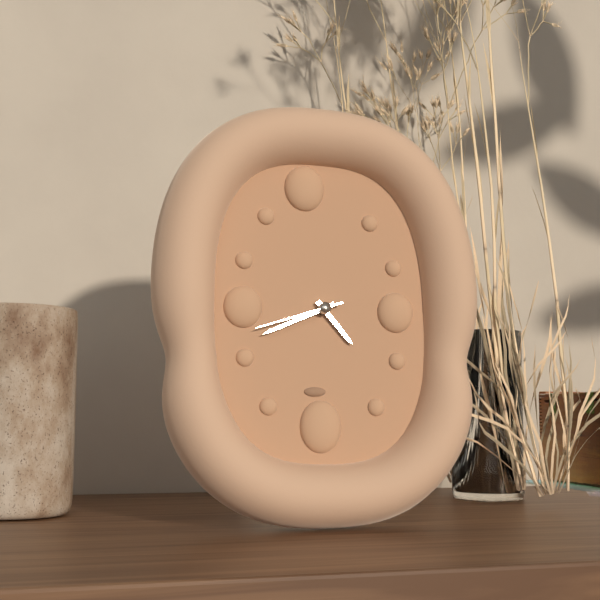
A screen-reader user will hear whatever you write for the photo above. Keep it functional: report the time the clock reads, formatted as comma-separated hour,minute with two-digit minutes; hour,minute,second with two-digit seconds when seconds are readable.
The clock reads 4,41,42
